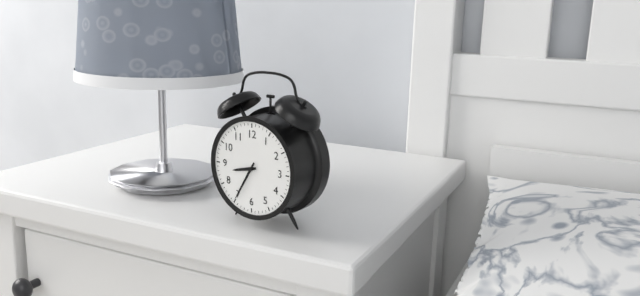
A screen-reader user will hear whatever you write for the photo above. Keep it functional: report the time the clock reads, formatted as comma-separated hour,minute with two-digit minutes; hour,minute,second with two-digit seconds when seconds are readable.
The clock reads 8,35
